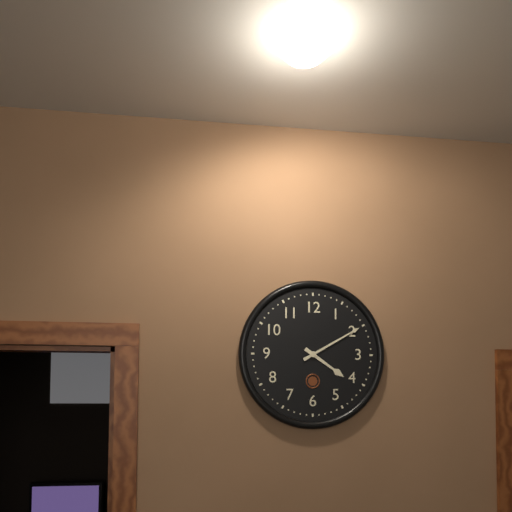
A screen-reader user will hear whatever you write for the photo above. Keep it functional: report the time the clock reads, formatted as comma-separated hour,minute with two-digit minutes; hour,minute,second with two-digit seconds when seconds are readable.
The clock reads 4,10
